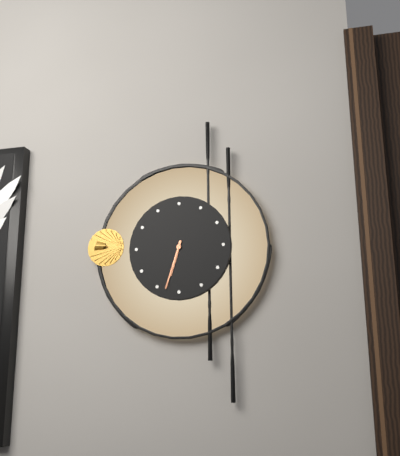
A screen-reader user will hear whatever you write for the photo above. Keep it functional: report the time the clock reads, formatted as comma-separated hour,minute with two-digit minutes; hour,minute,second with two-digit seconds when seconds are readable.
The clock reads 6,33
